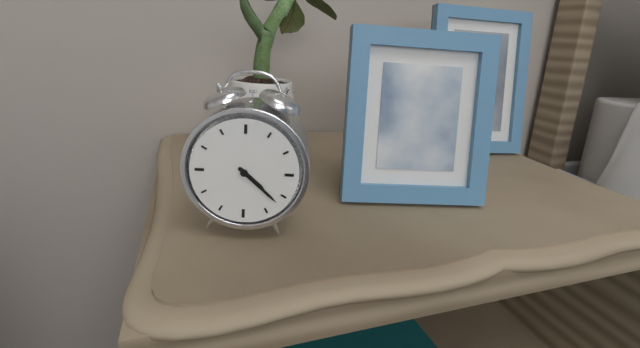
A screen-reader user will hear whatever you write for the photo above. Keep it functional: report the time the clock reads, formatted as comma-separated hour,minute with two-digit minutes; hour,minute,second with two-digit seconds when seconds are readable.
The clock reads 4,22
